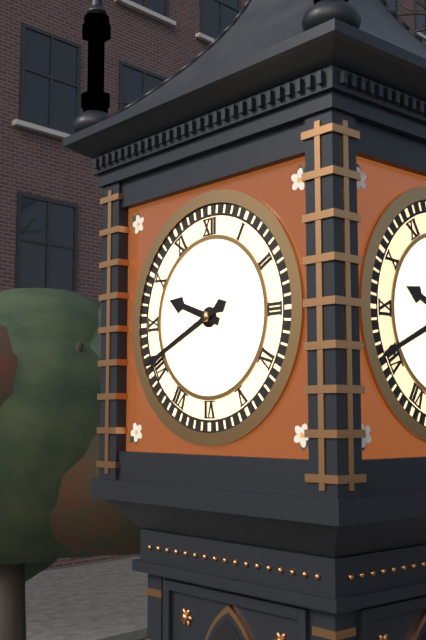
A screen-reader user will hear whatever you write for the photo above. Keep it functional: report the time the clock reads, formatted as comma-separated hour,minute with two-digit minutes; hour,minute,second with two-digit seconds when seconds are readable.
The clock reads 9,41
